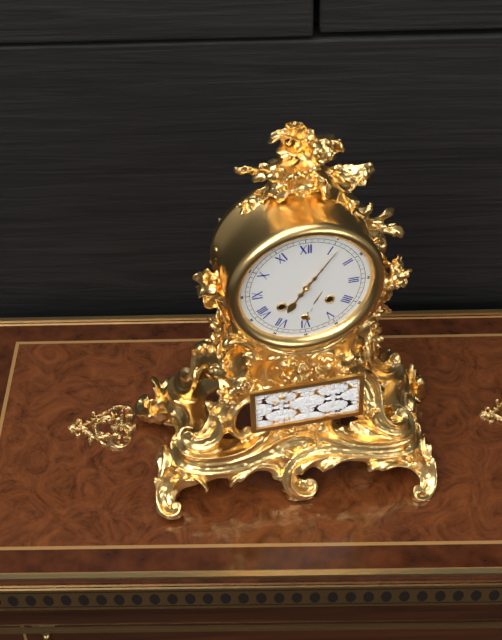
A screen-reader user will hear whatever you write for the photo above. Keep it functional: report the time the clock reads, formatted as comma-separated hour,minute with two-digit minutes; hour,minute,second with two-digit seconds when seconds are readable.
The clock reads 7,06
